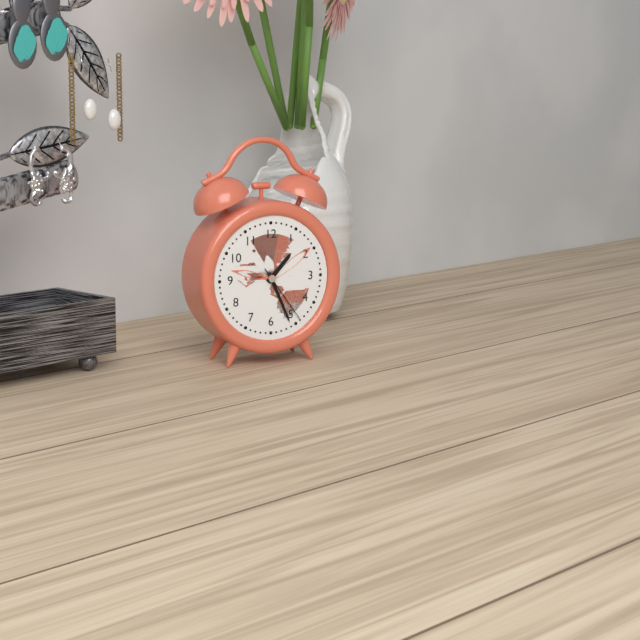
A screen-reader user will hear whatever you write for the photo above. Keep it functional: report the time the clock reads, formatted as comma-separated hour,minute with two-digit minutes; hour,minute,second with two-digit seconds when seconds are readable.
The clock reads 1,26,24
